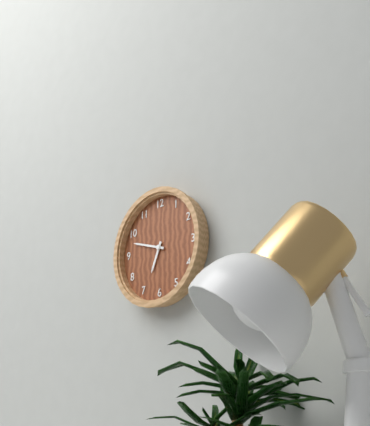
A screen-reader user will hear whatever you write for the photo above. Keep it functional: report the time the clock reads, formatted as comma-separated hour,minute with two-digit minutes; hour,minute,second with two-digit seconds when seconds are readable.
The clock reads 6,48
